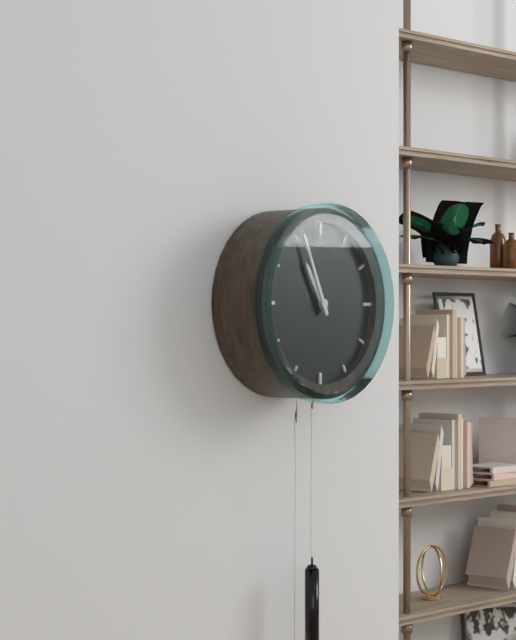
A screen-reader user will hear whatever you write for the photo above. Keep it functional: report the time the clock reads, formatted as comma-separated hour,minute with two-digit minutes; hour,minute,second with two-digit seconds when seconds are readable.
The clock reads 10,56
